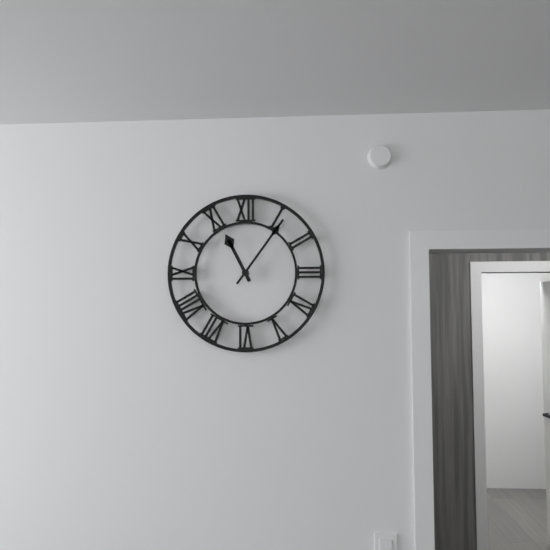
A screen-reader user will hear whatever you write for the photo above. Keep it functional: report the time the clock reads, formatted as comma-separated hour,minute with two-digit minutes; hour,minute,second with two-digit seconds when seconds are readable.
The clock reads 11,06
